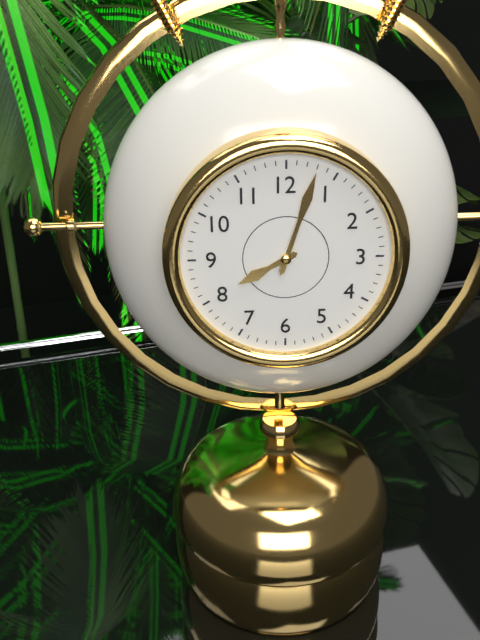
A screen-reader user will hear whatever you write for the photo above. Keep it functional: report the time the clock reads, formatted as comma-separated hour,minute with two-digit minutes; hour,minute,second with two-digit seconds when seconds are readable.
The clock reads 8,03
